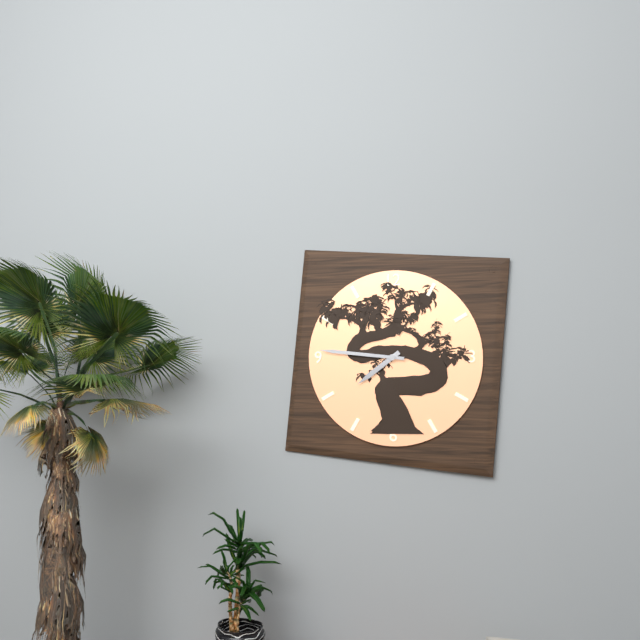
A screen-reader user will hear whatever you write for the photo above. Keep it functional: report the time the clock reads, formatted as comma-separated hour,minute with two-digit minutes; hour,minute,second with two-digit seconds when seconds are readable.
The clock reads 7,46
